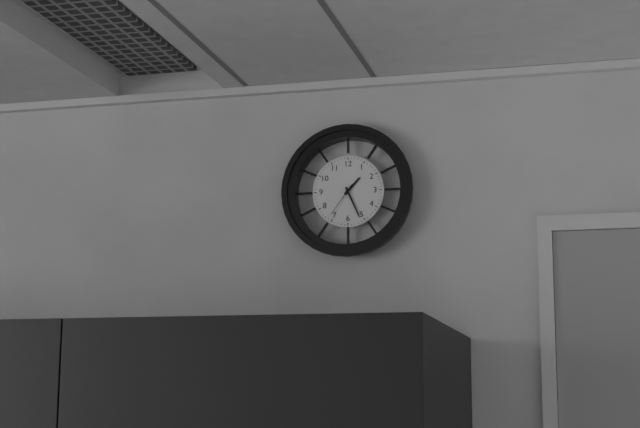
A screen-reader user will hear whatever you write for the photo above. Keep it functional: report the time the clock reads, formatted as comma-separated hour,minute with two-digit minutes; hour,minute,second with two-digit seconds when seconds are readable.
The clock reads 1,26
